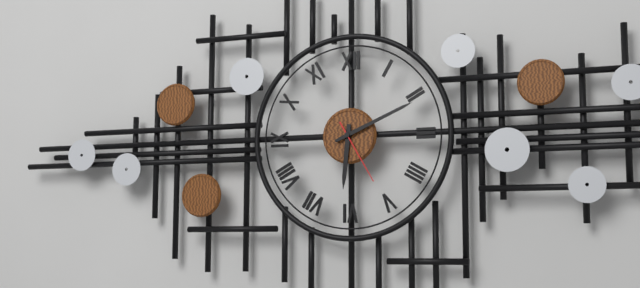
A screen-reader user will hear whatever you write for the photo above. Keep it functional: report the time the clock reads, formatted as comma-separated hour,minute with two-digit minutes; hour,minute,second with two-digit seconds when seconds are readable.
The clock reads 6,11,25
